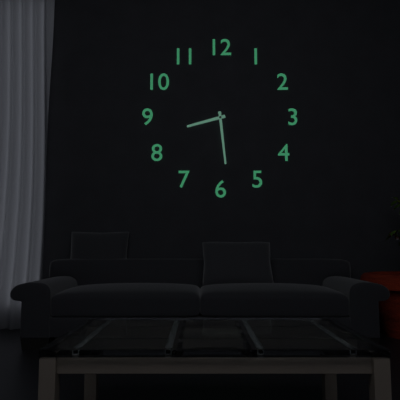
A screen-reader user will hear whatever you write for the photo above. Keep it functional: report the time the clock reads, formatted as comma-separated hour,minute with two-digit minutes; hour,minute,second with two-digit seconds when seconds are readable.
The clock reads 8,29
